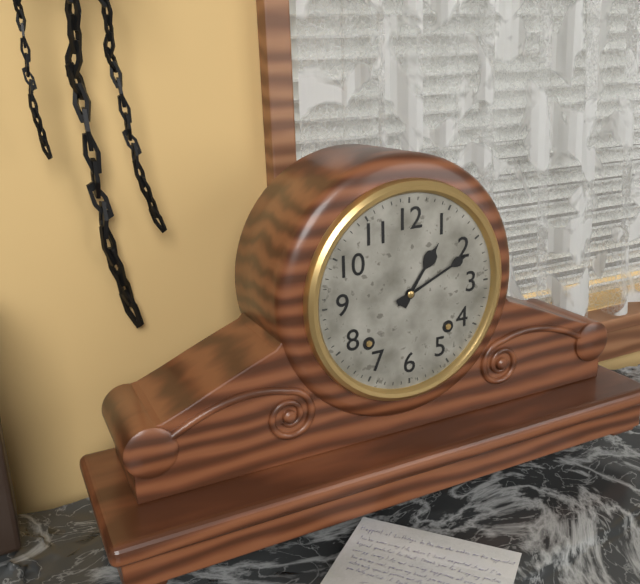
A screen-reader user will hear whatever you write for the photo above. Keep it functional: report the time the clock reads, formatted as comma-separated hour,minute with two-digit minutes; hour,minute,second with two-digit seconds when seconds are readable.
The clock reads 1,11
